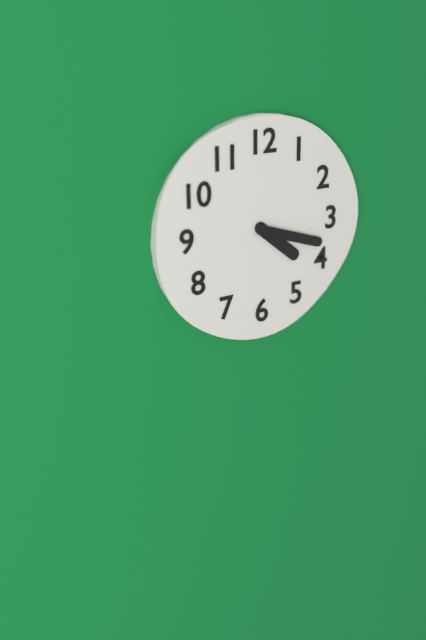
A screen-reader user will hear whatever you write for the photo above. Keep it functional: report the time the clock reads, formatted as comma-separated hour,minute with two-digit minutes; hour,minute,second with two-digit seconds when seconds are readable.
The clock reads 4,18
